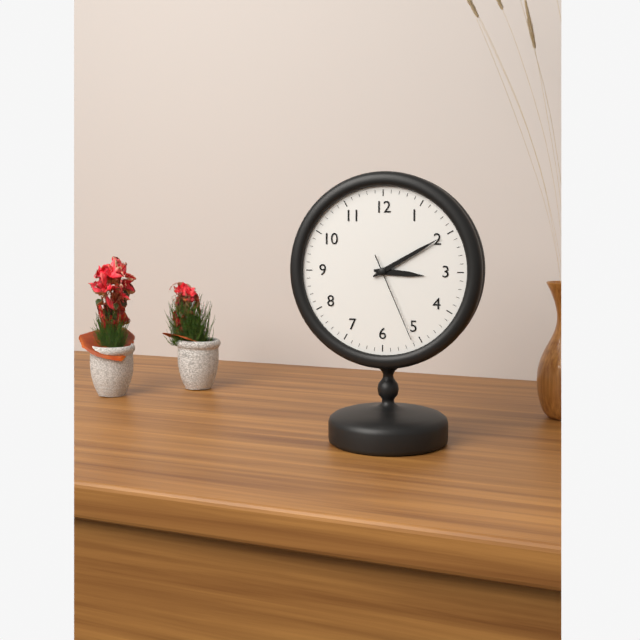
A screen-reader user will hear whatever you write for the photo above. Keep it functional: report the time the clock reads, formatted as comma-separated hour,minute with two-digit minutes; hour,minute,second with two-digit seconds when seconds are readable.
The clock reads 3,10,26
